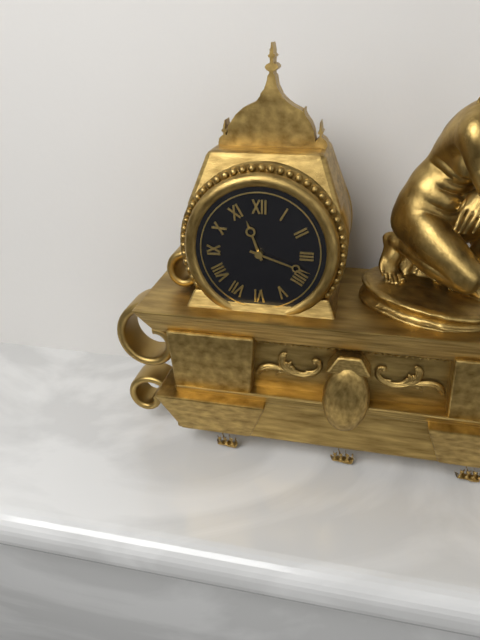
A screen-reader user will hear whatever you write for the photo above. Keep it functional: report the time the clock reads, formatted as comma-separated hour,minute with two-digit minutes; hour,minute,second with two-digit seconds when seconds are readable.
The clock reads 11,18
